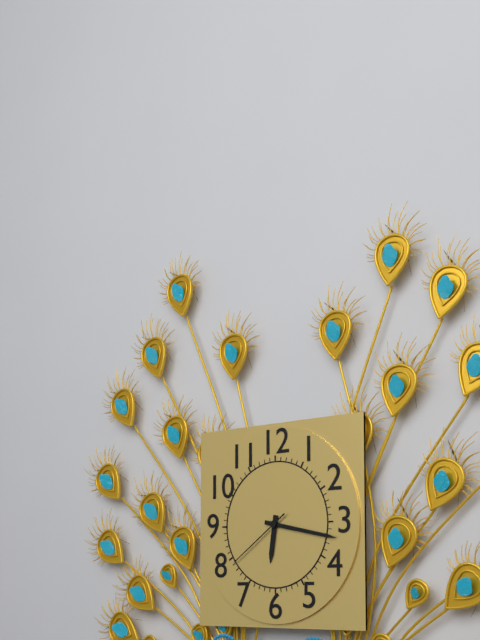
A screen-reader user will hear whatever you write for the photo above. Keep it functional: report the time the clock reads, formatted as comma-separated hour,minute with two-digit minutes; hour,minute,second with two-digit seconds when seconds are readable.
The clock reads 6,17,39
